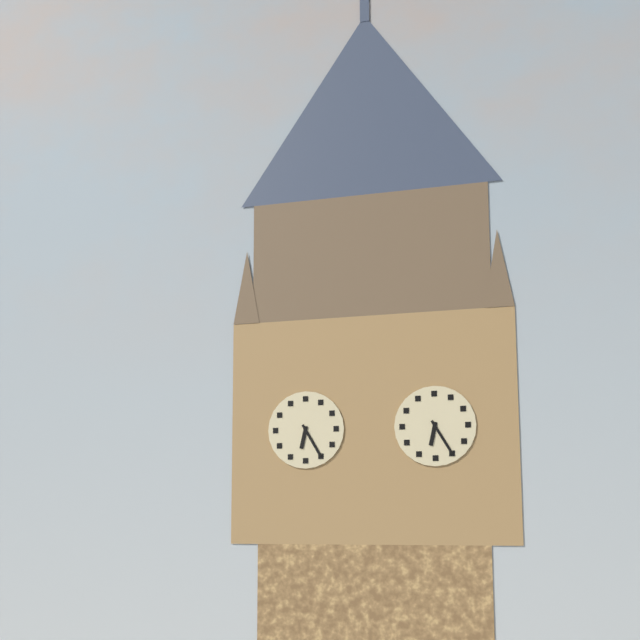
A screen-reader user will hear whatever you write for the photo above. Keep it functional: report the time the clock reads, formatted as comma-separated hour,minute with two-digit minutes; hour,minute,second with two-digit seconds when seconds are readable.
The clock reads 6,25
